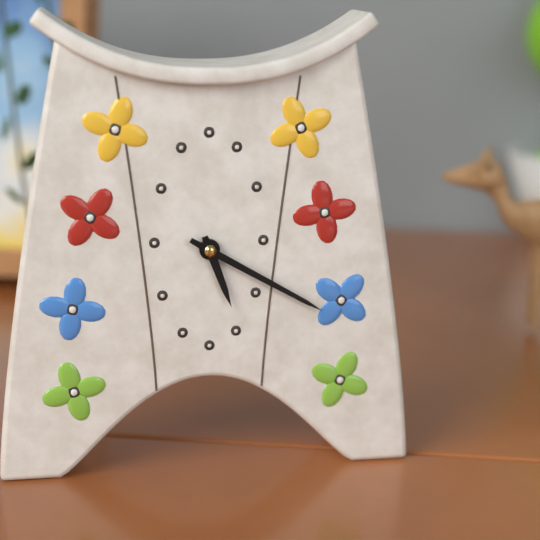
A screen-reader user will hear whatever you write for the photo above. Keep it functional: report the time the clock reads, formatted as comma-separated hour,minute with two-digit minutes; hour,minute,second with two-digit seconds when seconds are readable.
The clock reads 5,20
